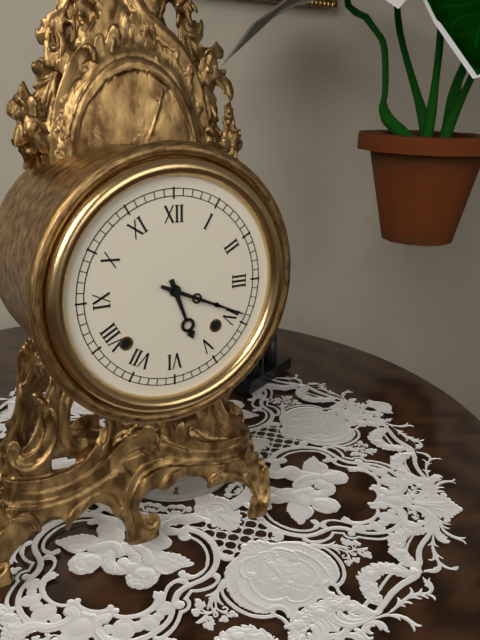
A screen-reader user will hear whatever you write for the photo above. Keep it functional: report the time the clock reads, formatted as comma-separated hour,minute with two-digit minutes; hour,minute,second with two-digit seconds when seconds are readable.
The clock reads 5,19
